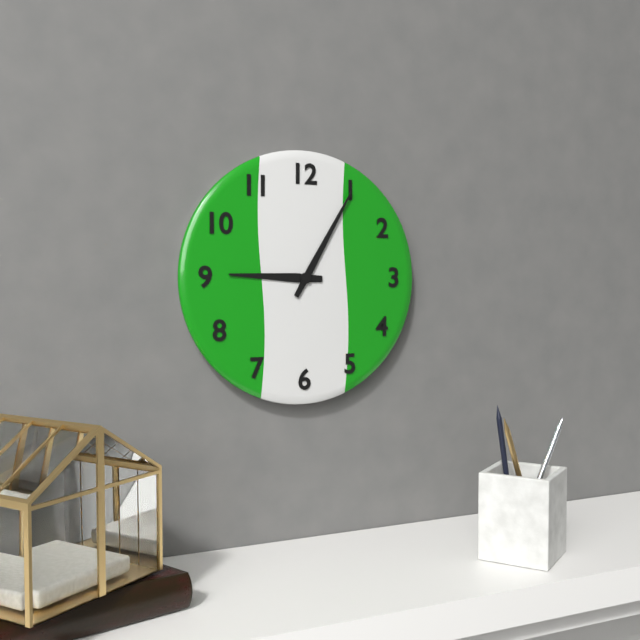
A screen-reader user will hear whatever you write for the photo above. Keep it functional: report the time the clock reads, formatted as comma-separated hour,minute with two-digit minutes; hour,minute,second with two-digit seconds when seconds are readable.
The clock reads 9,05
